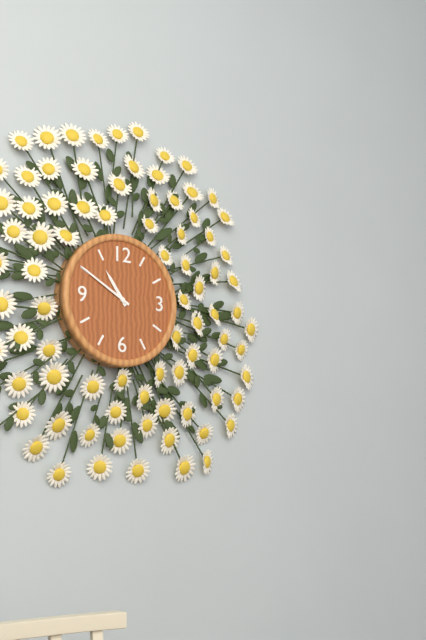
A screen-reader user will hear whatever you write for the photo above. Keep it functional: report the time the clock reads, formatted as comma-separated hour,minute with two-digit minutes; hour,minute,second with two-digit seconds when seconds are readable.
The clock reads 10,50
